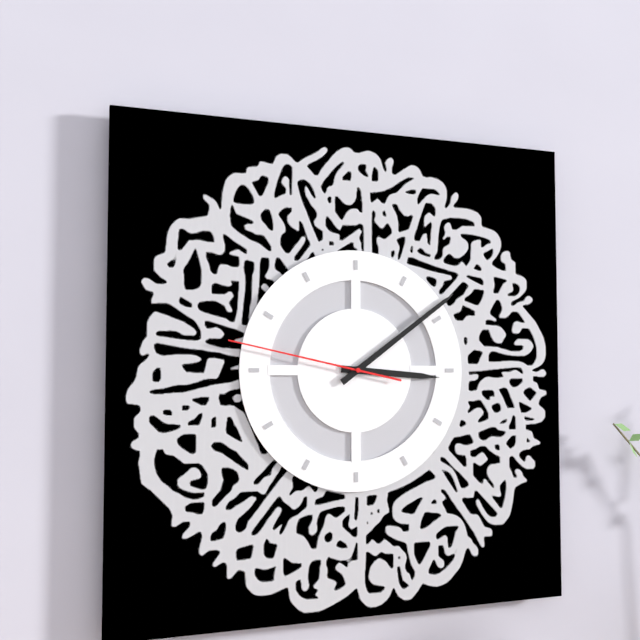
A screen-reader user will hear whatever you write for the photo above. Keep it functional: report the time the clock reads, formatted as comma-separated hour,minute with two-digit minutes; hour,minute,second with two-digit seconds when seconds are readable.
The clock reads 3,09,47
